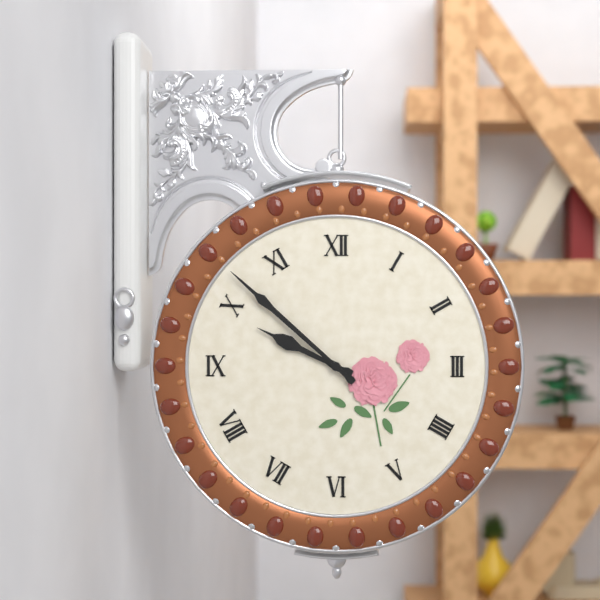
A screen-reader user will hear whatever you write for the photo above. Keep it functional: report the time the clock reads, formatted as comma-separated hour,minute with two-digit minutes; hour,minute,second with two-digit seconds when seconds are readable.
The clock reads 9,52
